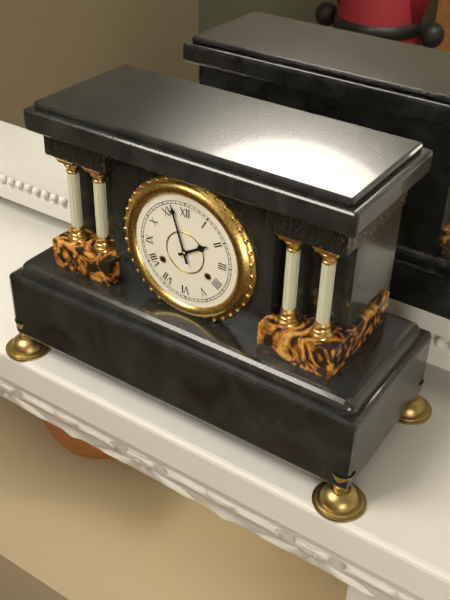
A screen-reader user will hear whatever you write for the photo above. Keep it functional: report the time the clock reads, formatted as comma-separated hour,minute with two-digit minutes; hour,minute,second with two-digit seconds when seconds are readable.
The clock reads 1,57
